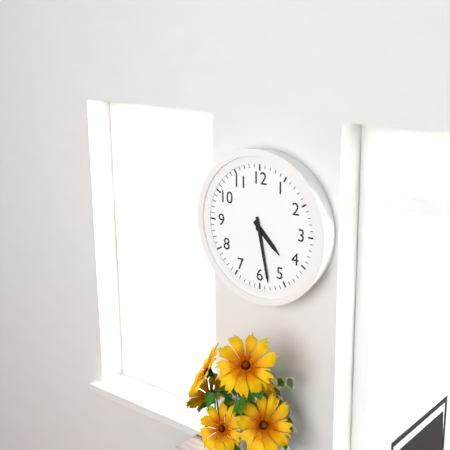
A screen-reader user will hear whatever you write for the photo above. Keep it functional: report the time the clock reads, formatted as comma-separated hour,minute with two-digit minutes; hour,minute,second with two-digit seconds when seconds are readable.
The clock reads 4,28
